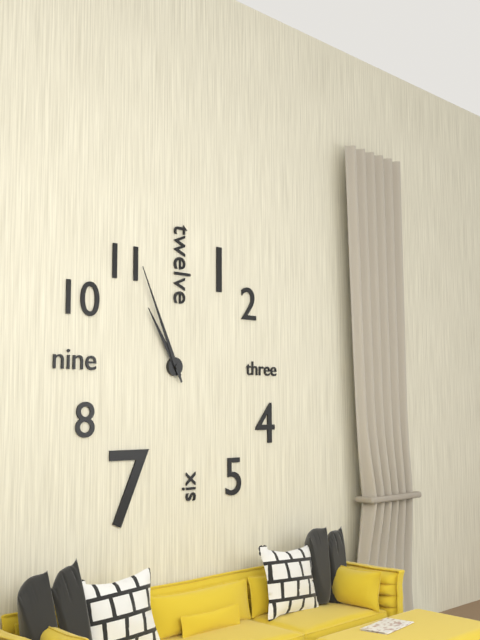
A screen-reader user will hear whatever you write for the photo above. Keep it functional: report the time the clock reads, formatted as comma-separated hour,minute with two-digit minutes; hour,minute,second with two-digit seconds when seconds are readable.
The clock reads 10,56
